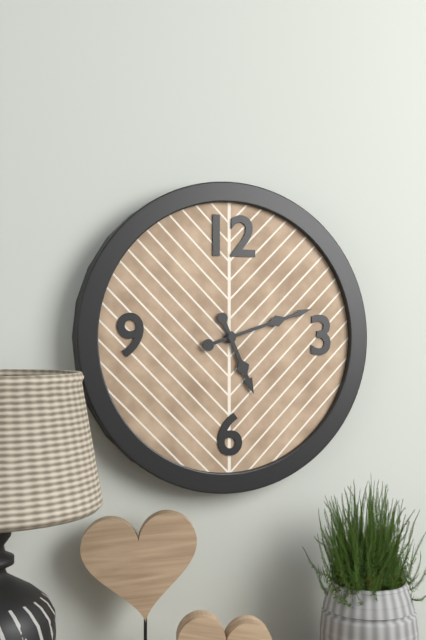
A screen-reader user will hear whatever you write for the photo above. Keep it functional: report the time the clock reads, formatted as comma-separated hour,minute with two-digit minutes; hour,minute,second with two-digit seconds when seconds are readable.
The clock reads 5,12
